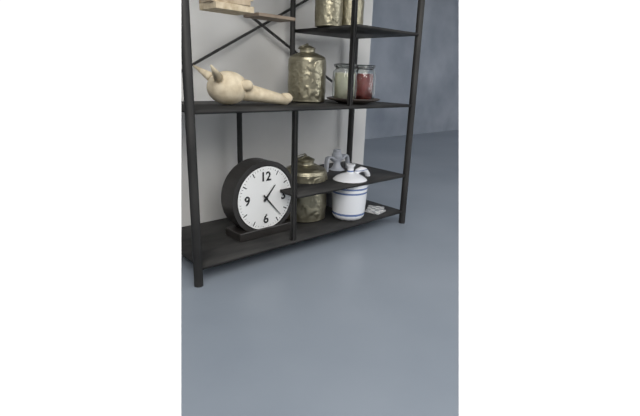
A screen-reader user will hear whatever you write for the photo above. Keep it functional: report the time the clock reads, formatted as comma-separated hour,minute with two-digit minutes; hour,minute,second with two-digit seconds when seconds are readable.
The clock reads 1,23
